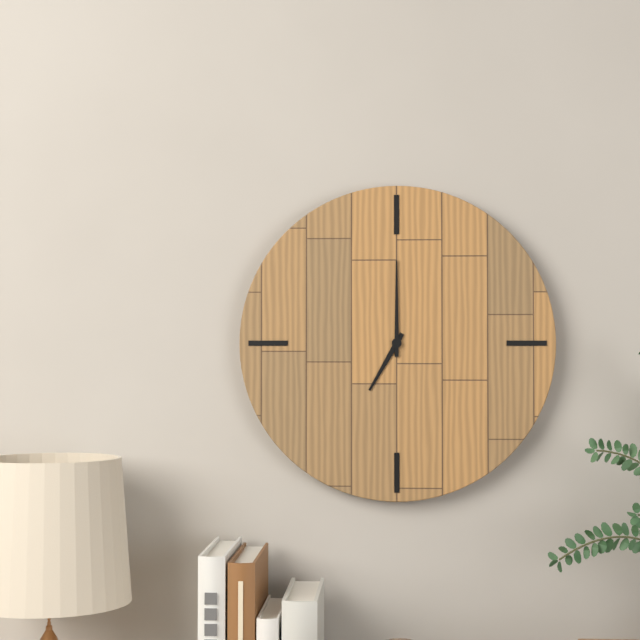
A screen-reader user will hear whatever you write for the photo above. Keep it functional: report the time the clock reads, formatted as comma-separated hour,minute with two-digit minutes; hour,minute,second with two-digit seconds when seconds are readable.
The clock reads 7,00
